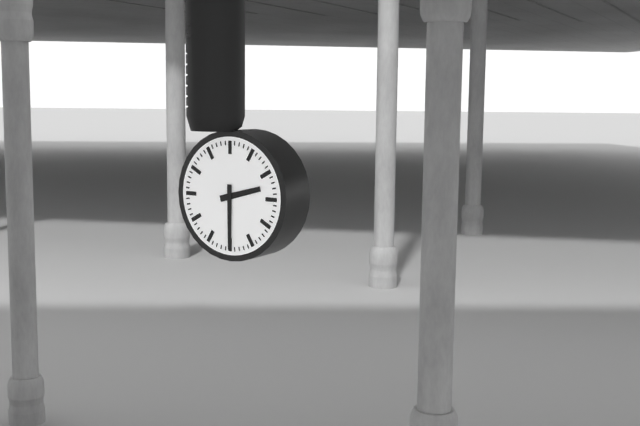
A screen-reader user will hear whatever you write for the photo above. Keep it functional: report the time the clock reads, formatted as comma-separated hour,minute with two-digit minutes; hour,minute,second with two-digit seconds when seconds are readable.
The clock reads 2,30
